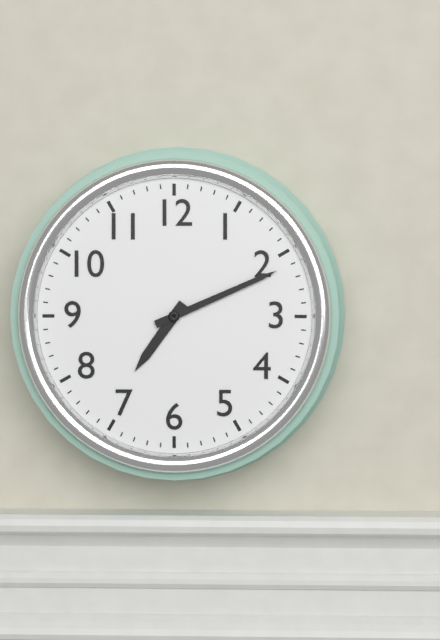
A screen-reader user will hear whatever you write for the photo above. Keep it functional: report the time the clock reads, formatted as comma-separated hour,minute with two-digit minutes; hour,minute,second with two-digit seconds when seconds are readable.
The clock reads 7,11
